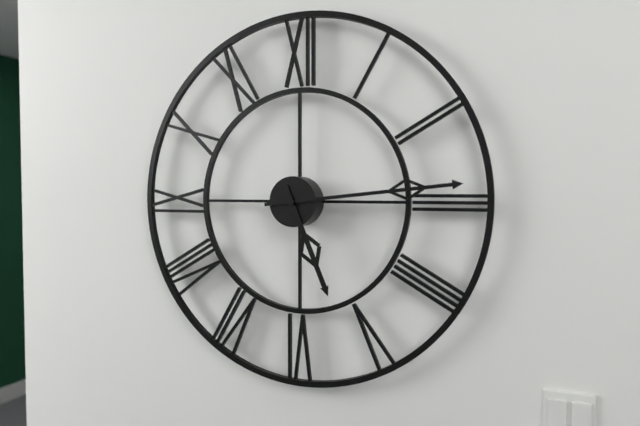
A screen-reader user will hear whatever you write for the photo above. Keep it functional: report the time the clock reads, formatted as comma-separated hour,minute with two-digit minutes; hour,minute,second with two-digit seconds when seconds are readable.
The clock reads 5,14
